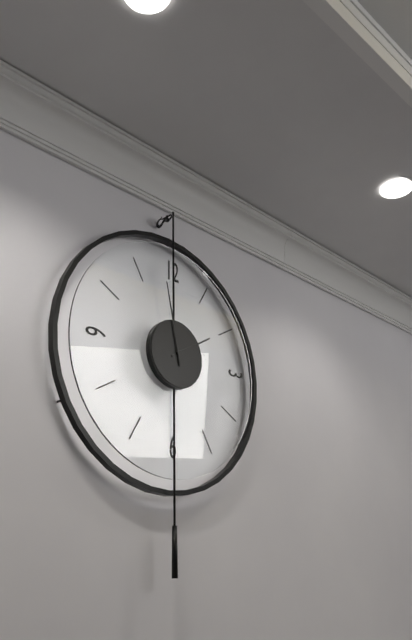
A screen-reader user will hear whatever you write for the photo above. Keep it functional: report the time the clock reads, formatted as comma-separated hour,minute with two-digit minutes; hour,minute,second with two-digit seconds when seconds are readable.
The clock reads 1,58
